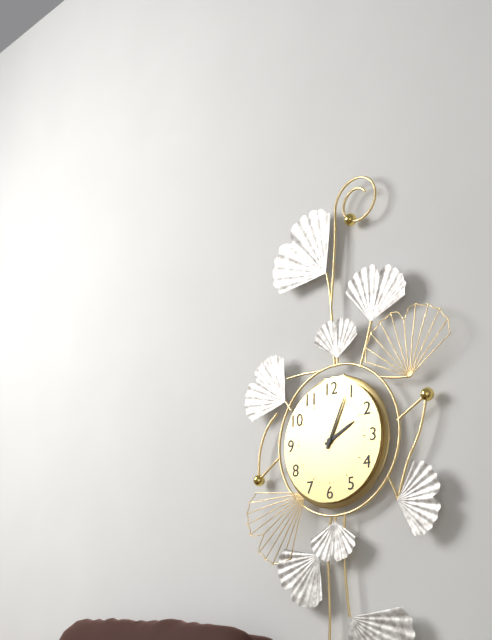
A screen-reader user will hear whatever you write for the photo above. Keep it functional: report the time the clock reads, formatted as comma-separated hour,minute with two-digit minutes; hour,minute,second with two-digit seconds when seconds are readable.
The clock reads 2,04
